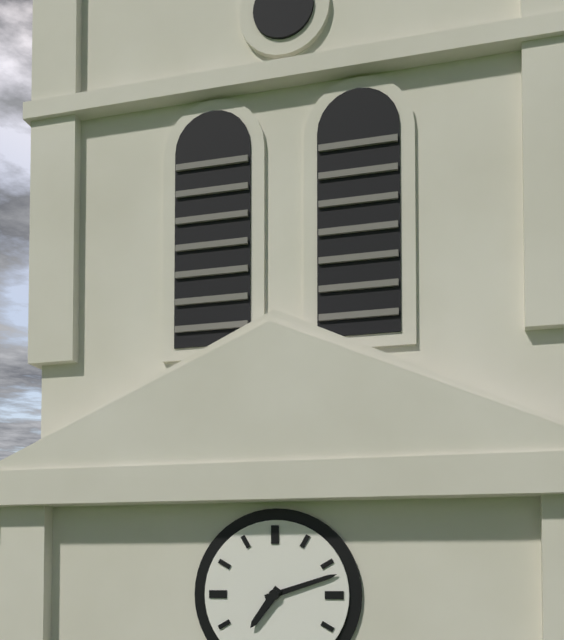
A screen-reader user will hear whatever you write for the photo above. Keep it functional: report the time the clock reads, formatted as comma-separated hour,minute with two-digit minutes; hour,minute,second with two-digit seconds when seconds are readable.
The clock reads 7,12
